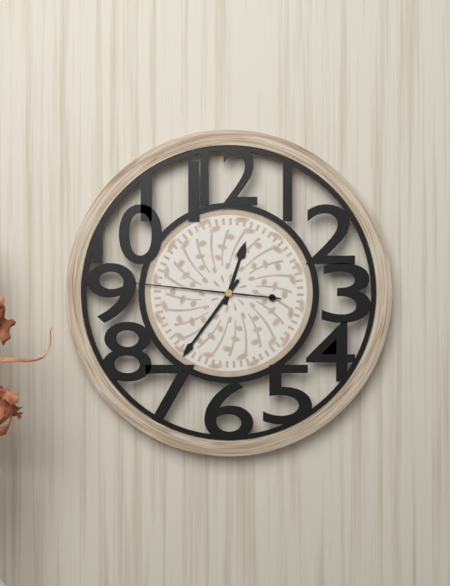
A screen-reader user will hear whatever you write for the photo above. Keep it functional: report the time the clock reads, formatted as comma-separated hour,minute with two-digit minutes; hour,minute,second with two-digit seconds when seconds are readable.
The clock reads 12,36,46
